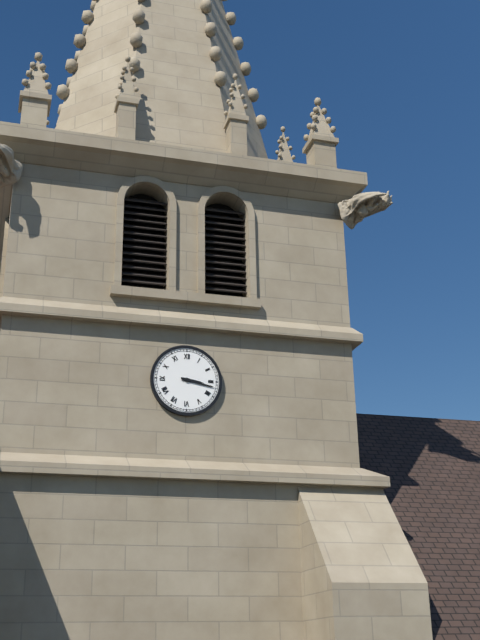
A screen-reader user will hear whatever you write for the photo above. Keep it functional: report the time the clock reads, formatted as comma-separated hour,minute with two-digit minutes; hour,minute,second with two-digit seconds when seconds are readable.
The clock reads 3,17
